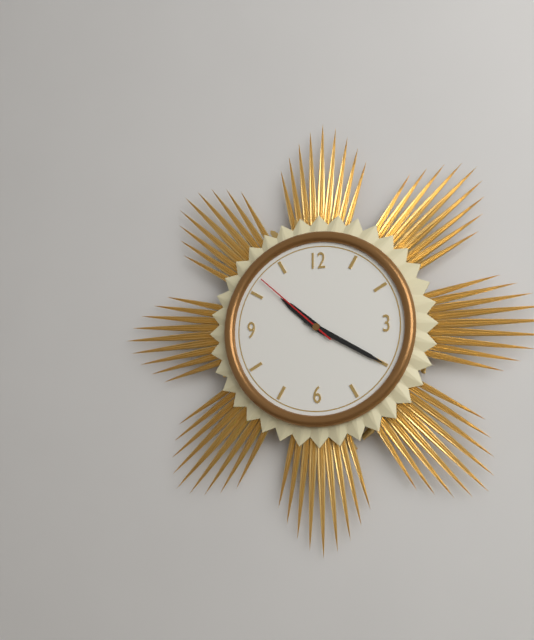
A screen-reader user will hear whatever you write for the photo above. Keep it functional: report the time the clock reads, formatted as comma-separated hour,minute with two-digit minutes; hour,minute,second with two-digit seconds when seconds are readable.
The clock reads 10,20,52
